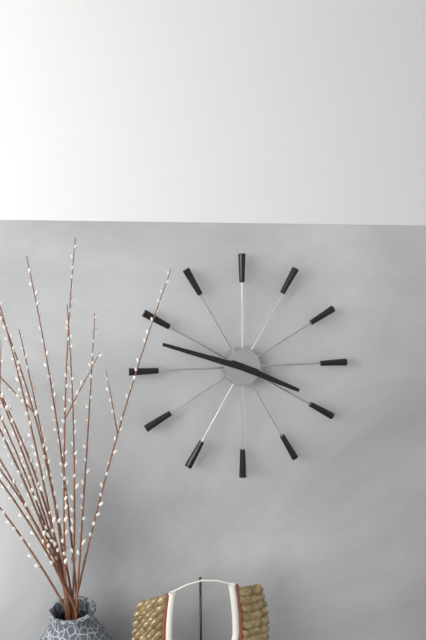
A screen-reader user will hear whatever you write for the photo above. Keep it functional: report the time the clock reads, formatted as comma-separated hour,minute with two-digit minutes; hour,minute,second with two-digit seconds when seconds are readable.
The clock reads 3,48
